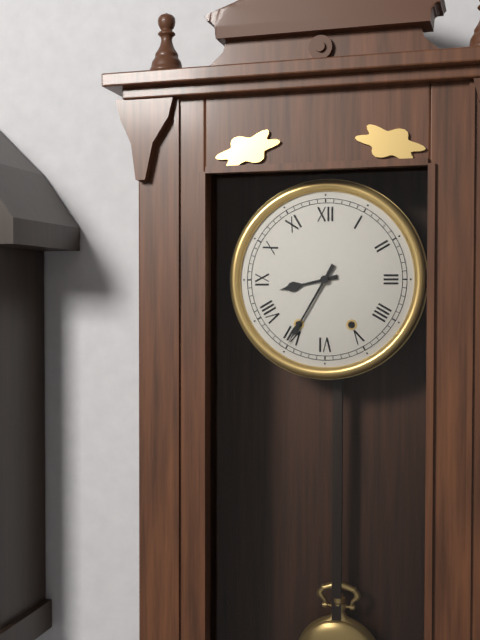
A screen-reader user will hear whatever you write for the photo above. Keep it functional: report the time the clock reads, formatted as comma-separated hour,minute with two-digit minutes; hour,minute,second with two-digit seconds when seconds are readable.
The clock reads 8,35
